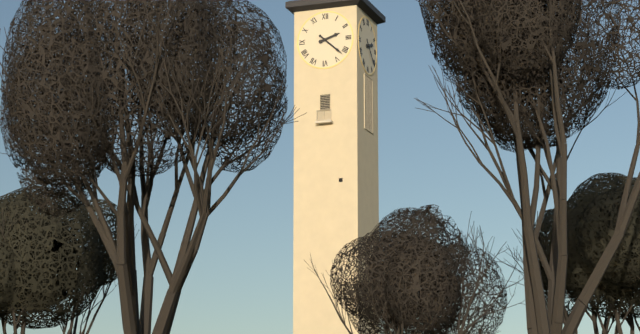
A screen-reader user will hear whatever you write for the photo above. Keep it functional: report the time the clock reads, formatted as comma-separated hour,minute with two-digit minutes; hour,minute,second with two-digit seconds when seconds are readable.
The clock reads 2,22
